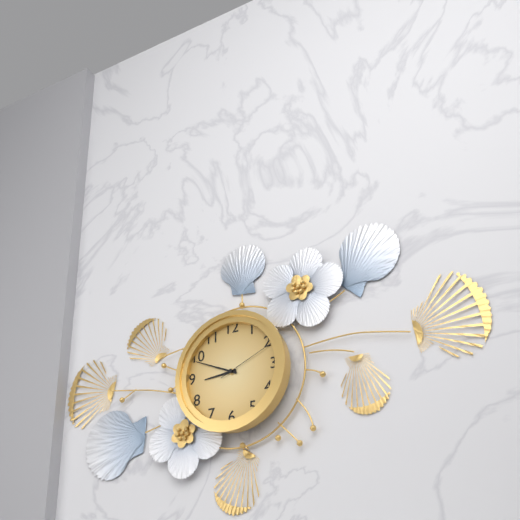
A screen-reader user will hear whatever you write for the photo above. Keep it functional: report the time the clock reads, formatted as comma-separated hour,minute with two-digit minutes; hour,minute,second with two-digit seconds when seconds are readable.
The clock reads 8,49,11
